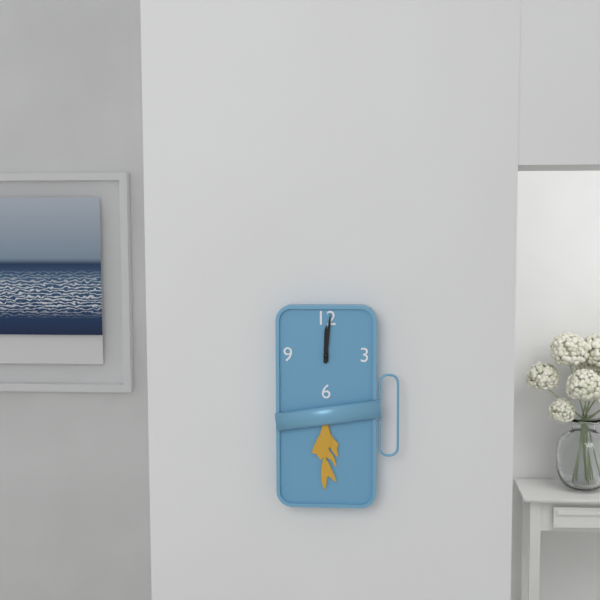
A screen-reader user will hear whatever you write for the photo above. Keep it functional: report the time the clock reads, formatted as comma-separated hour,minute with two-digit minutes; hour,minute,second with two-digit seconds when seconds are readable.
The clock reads 12,01
